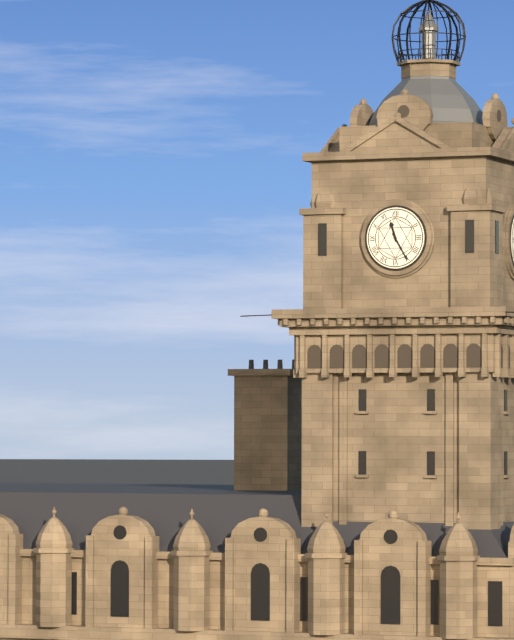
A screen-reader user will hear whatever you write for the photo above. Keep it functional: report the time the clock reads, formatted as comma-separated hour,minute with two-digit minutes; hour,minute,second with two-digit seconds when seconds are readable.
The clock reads 11,25
